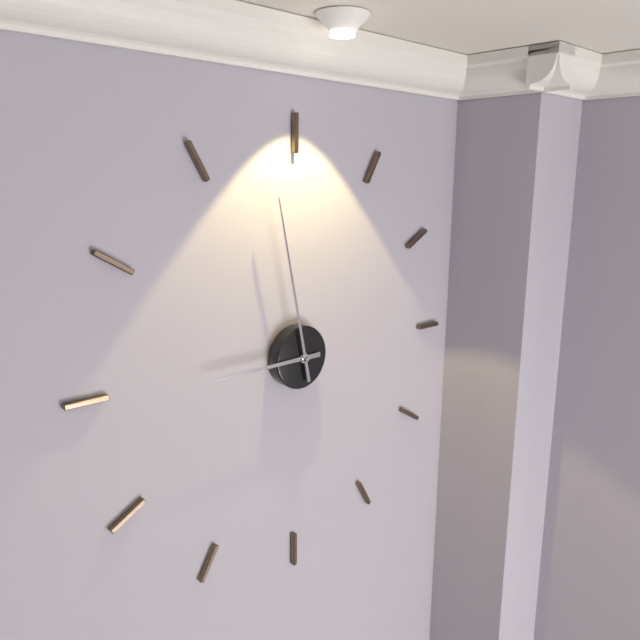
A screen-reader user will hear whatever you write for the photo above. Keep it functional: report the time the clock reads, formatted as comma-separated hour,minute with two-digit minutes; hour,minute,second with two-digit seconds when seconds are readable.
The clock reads 8,58
